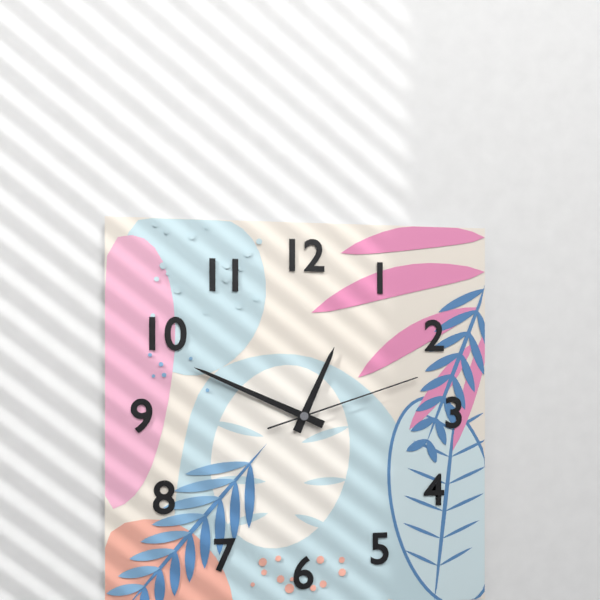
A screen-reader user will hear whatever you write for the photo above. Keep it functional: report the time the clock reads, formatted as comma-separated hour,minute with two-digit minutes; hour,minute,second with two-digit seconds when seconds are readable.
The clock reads 12,49,12
